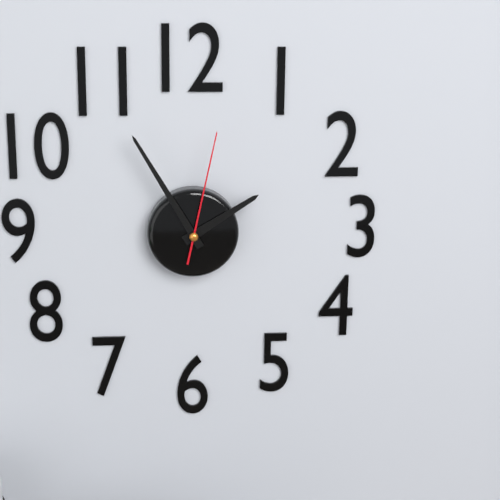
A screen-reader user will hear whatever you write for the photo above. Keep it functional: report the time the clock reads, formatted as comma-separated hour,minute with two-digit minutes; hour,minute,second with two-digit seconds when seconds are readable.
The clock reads 1,55,02
